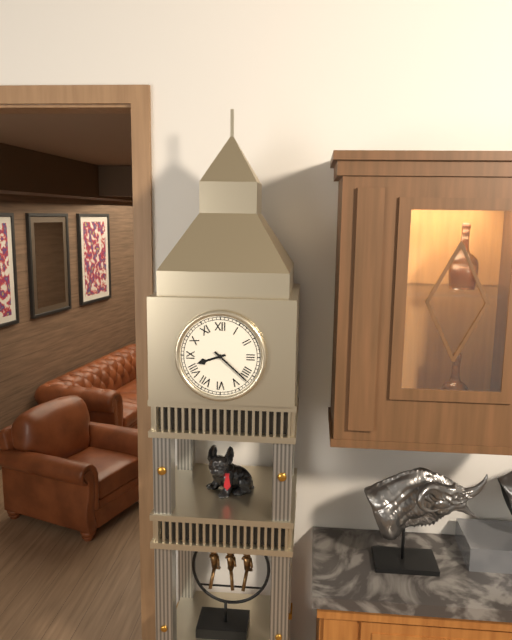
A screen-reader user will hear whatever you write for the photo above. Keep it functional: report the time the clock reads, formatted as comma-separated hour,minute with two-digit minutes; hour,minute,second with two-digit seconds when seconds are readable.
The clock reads 8,22
